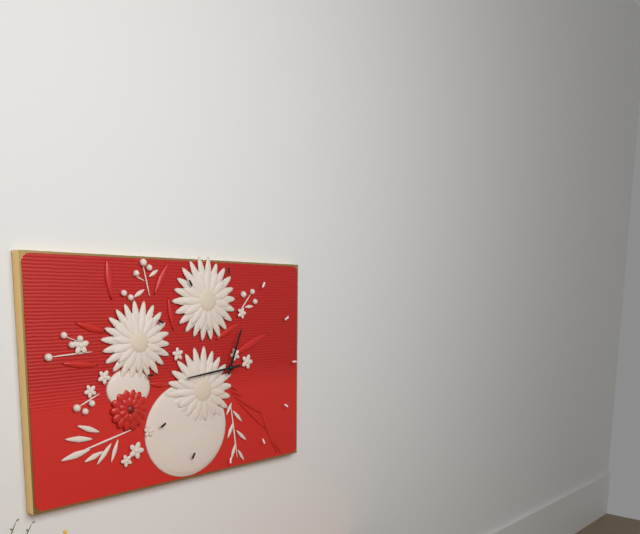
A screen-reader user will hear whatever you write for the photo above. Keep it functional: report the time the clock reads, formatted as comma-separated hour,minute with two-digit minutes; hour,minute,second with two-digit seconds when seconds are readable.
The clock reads 12,44
